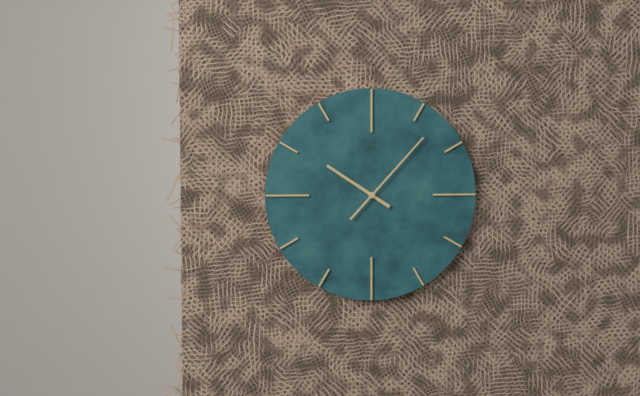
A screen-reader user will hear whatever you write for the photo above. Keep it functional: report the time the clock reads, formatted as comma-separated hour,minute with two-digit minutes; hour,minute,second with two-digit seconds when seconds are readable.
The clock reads 10,07
